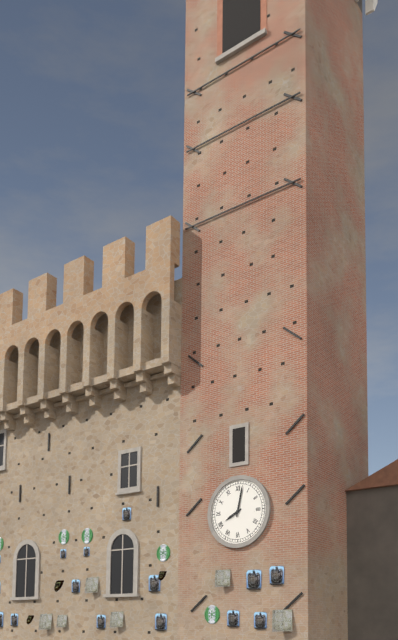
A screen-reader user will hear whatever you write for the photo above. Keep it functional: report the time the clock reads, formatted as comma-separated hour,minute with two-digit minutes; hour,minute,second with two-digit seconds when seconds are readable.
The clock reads 8,02
